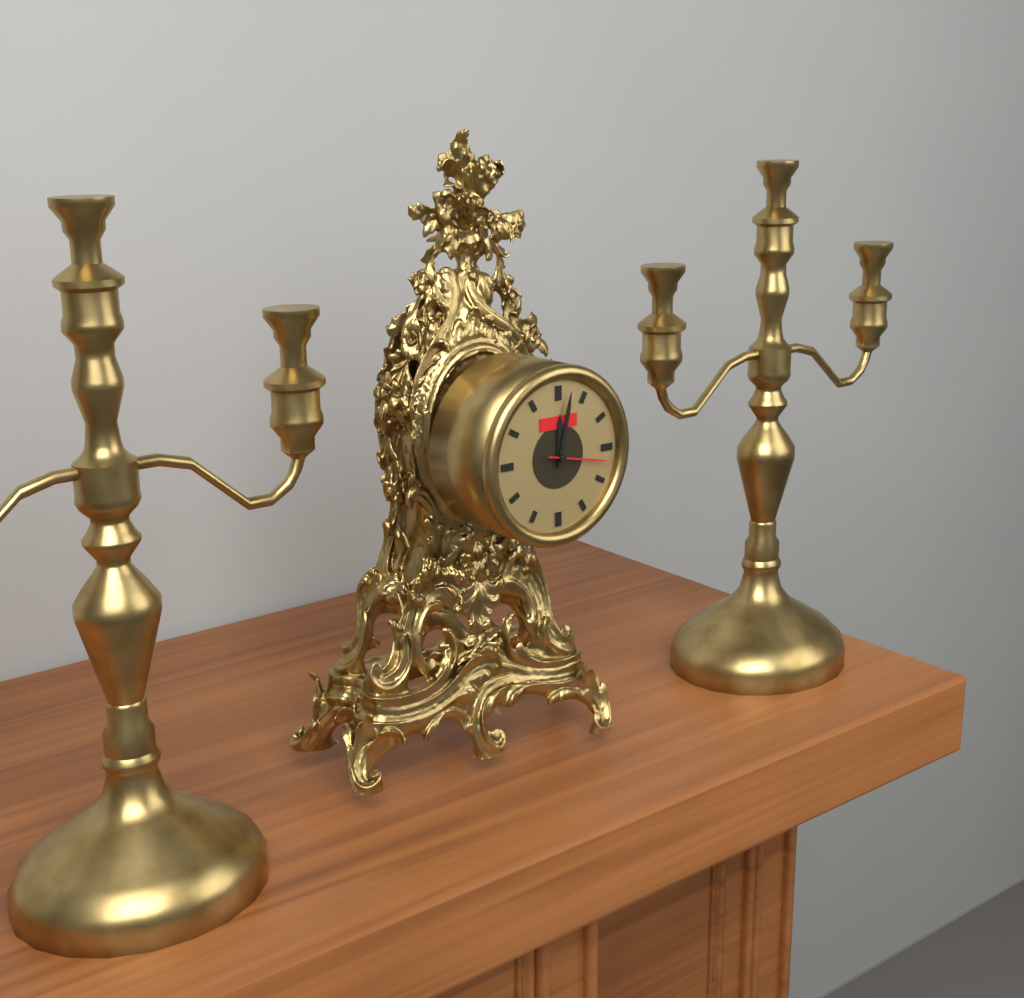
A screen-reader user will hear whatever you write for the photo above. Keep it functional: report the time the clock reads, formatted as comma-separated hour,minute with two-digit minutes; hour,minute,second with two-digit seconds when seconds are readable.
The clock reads 12,02,17
